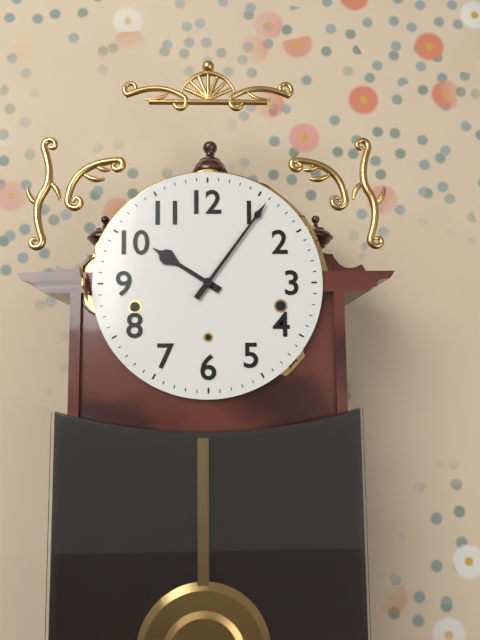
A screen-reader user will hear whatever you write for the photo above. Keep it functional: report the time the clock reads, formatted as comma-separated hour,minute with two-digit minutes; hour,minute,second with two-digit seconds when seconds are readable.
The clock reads 10,06
